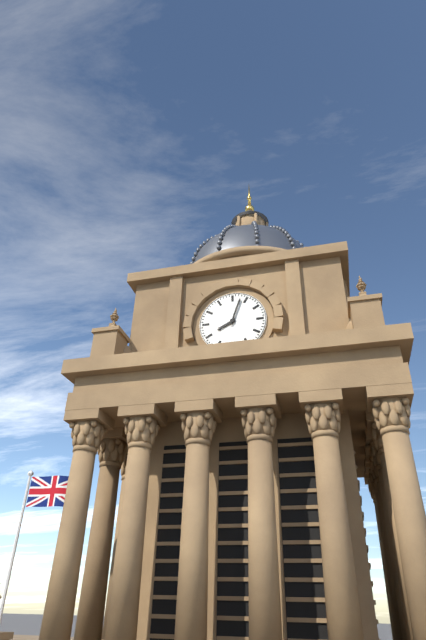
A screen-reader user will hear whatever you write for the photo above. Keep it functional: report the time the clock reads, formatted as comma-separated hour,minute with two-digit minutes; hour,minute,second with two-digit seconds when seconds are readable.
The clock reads 8,03
